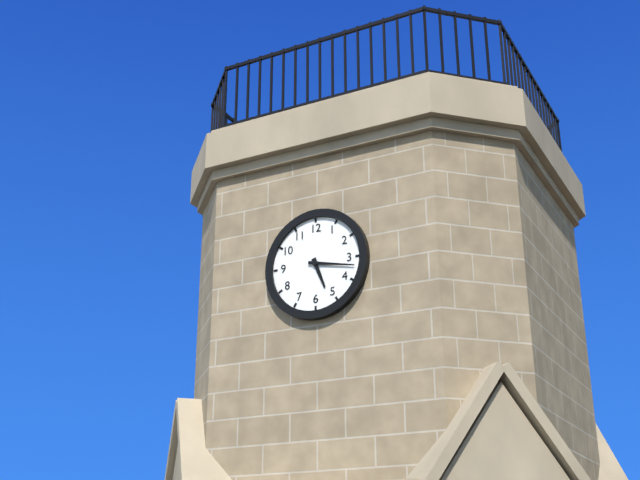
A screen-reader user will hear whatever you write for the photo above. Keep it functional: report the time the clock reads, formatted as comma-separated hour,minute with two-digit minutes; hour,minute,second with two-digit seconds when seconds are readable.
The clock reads 5,17
